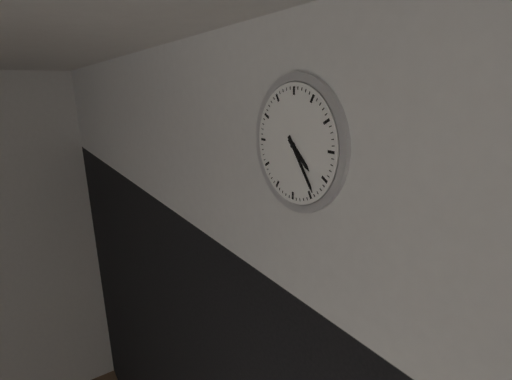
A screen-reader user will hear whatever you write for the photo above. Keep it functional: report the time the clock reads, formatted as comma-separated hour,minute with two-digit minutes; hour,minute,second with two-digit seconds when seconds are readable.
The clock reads 4,24
